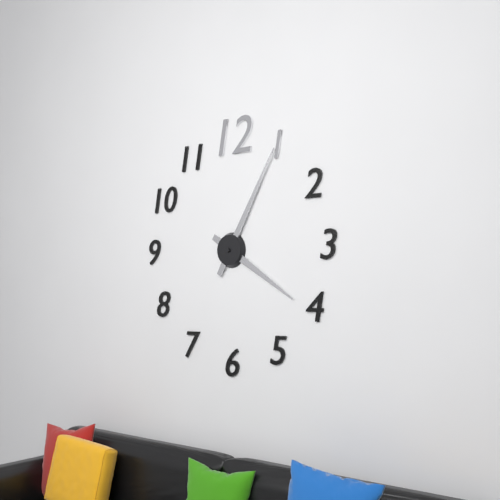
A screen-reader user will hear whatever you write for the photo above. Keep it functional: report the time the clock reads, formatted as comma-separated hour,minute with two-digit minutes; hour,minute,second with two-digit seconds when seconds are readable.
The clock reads 4,05
